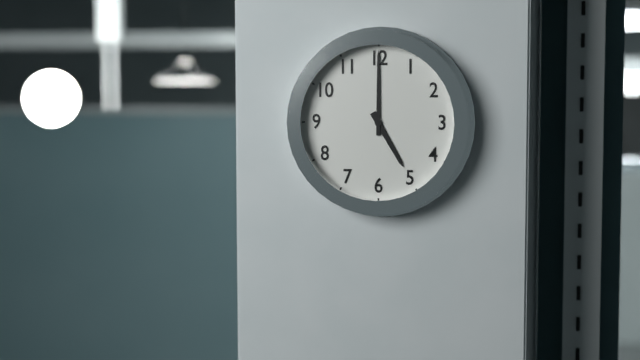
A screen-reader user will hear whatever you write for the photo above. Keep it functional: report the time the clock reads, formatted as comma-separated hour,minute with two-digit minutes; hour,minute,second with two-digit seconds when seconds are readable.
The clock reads 5,00
